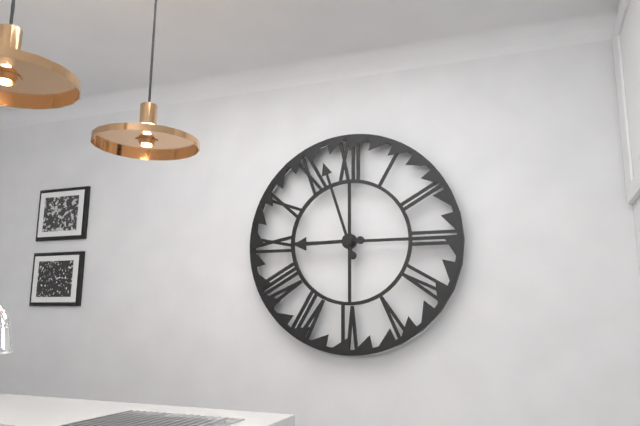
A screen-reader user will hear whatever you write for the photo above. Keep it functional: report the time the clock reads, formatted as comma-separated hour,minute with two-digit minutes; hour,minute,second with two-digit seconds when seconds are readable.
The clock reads 8,57
